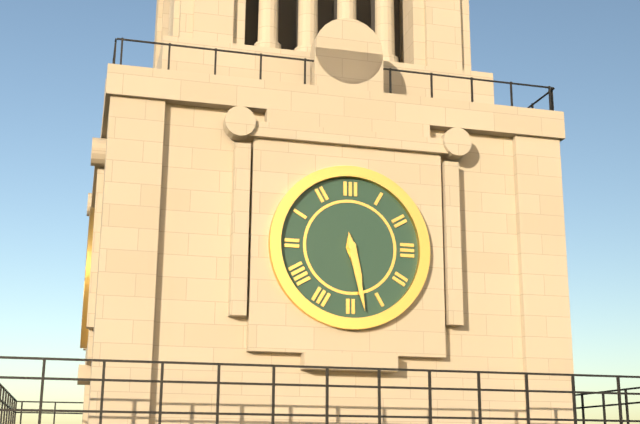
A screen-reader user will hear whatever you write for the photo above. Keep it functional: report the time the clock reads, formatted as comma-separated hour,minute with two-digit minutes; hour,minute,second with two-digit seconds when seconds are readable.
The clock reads 5,28
